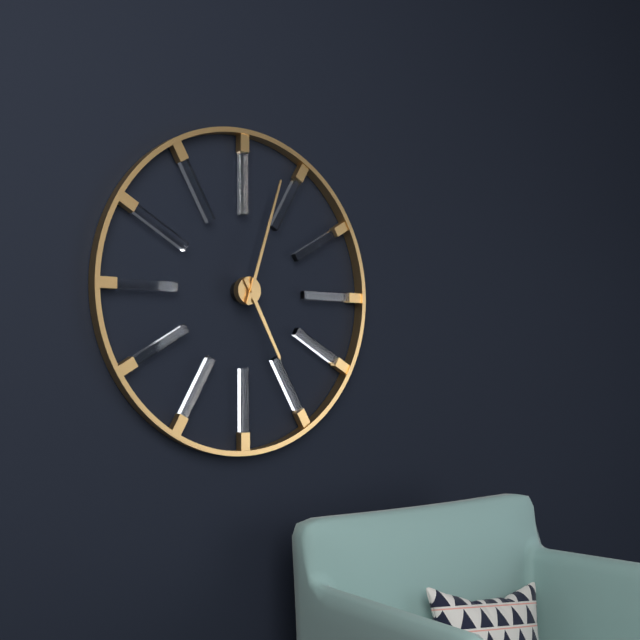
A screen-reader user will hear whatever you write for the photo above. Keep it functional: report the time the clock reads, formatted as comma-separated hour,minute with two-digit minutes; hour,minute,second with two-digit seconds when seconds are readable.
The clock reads 5,03
